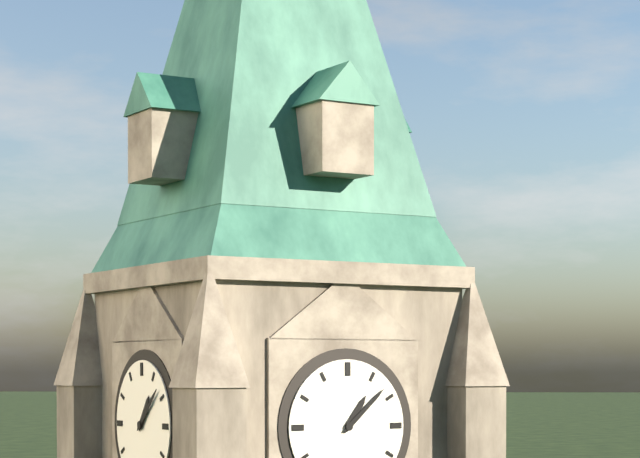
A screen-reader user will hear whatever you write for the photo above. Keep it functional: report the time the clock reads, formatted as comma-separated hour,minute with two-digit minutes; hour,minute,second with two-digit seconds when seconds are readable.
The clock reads 1,08
